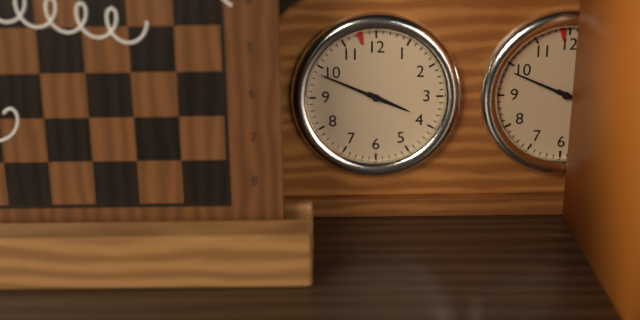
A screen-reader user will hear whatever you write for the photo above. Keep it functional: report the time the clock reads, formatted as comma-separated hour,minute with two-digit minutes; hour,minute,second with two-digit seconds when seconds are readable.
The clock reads 3,49
